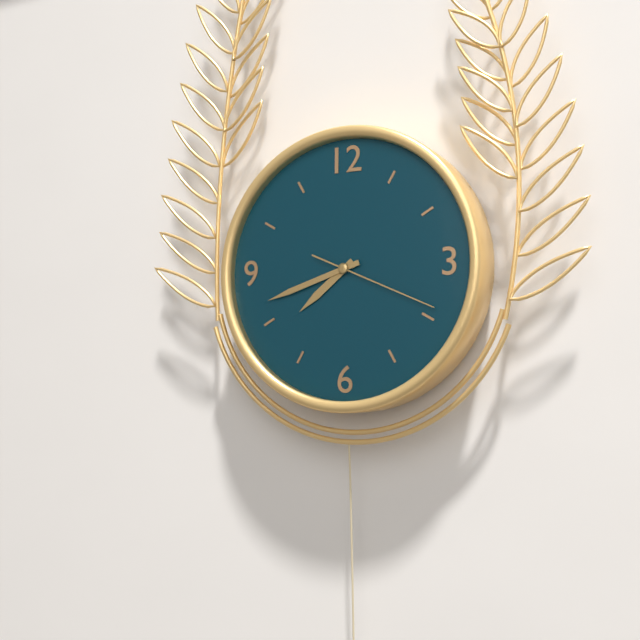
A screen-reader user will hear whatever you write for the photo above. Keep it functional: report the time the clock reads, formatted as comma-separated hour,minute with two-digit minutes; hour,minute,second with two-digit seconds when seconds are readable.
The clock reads 7,42,19
